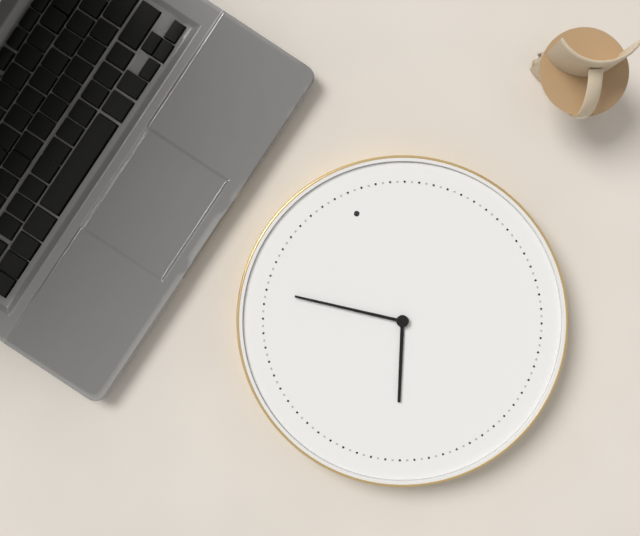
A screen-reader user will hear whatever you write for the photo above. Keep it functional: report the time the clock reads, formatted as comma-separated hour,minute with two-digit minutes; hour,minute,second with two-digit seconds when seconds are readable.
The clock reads 6,51
